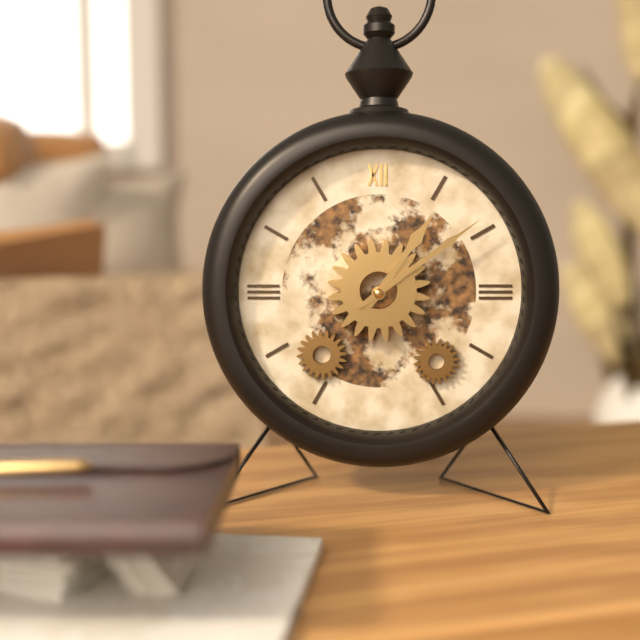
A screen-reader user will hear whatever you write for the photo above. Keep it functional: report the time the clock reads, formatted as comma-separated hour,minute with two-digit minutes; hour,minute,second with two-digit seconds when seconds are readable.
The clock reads 1,09
